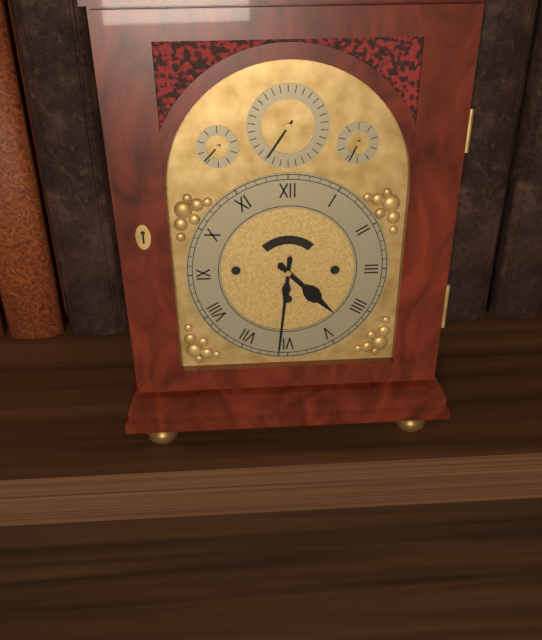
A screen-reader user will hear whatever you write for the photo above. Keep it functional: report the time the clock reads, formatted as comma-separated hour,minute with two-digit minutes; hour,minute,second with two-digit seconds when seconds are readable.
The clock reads 4,31
